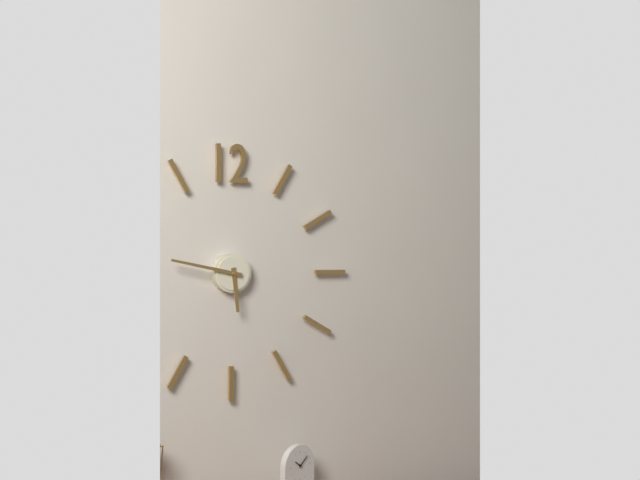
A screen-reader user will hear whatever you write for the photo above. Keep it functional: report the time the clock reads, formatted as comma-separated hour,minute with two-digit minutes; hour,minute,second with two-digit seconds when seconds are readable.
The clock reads 5,47
